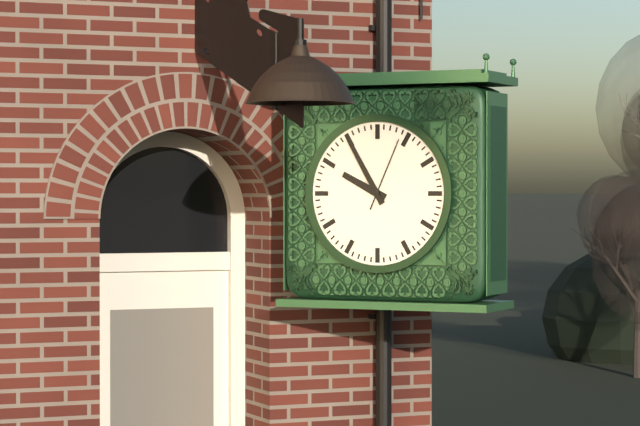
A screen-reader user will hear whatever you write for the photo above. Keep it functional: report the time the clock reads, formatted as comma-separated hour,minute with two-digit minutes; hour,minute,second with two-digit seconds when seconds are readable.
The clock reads 9,55,04
